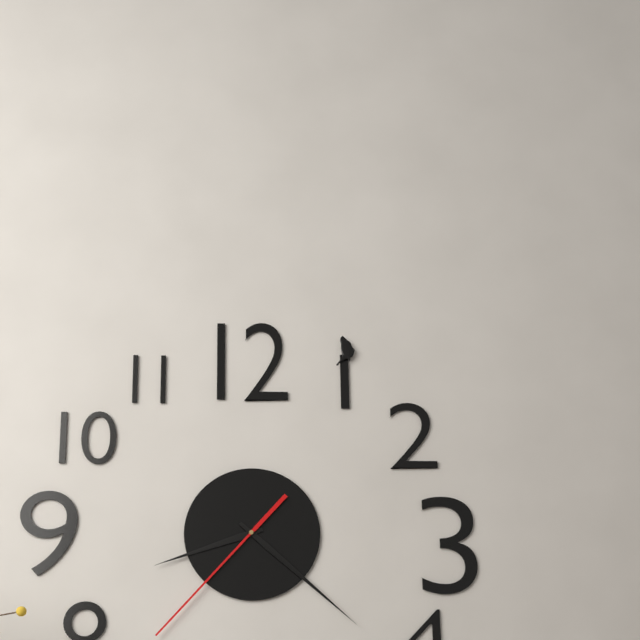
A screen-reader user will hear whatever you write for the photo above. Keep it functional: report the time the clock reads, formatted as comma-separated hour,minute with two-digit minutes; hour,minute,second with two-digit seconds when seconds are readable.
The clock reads 8,22,37
